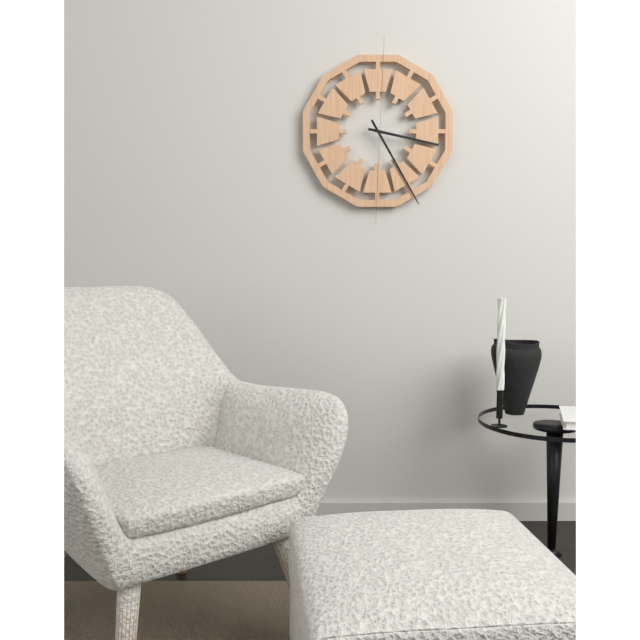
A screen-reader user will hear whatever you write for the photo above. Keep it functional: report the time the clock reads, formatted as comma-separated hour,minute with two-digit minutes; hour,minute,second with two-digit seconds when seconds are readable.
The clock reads 3,25
